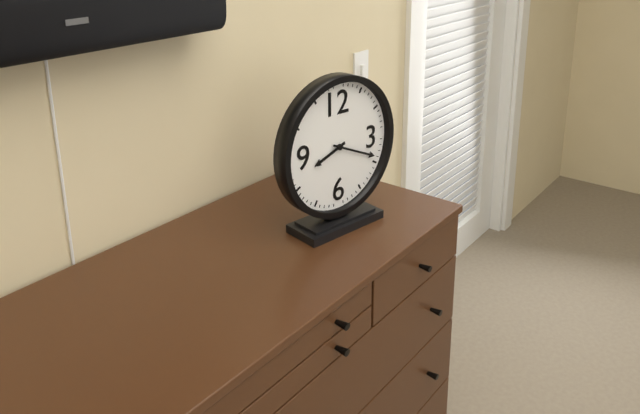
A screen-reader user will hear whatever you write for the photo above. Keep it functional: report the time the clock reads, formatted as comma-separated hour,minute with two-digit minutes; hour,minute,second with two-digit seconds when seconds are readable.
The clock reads 8,19
